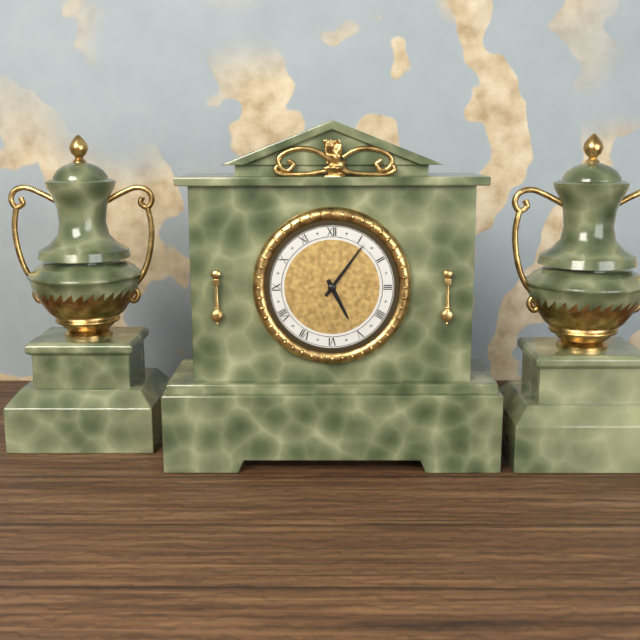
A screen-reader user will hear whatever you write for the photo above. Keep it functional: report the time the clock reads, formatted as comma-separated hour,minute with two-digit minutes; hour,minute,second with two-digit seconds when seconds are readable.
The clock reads 5,06
